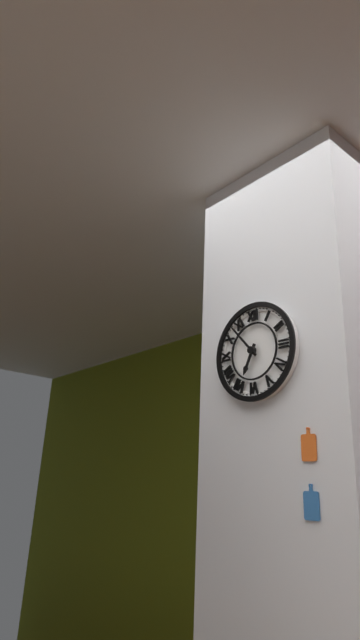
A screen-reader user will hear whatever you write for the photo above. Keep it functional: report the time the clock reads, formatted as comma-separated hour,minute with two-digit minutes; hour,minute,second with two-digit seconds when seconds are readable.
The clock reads 6,53
